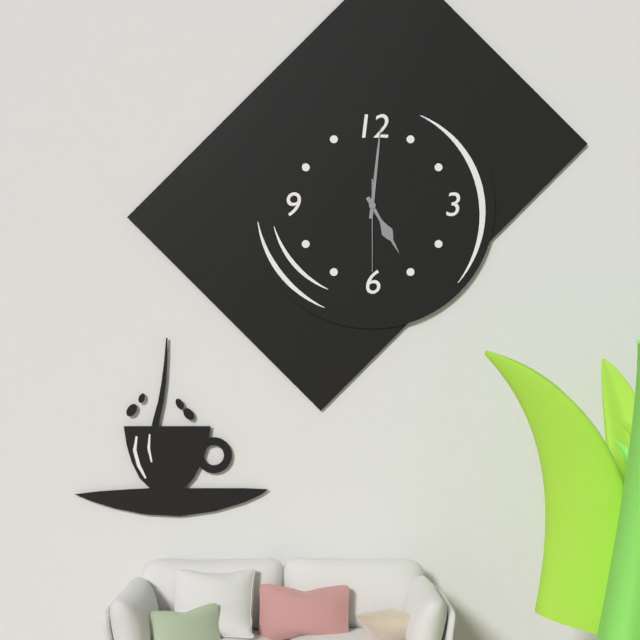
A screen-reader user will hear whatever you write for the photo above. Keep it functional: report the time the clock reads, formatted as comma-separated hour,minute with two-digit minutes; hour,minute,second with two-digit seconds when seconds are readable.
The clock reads 5,01,30
